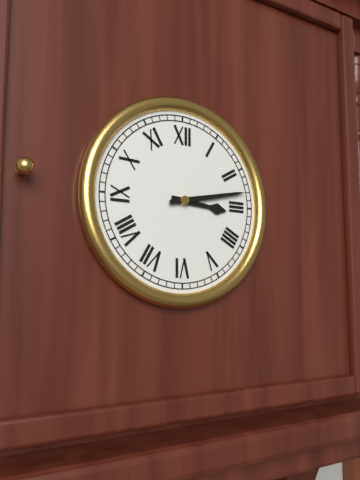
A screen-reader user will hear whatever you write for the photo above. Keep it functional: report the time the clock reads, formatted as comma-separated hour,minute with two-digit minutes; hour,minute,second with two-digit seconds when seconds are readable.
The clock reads 3,13
